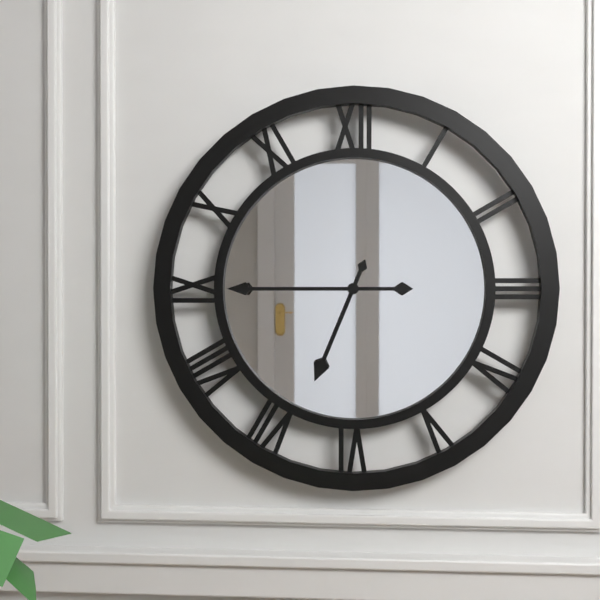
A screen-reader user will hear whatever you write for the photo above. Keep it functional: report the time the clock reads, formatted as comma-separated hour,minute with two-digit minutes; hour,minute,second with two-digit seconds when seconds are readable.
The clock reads 6,45
